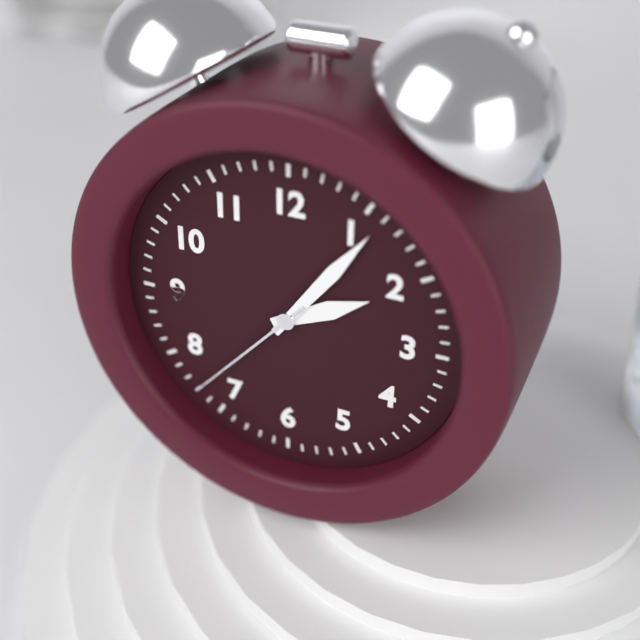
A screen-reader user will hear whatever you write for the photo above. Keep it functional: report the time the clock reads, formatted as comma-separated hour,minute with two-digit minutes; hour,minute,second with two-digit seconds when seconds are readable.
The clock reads 2,06,37
